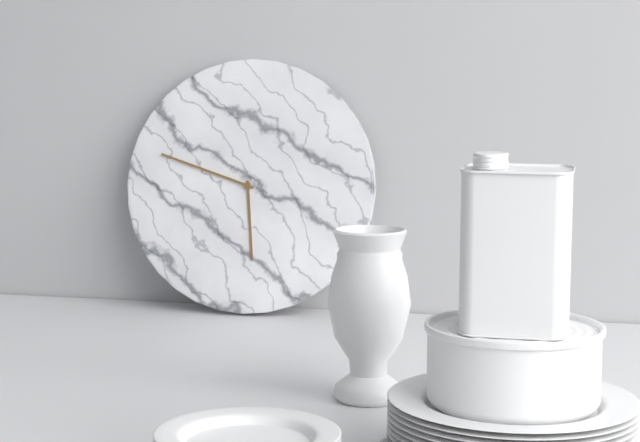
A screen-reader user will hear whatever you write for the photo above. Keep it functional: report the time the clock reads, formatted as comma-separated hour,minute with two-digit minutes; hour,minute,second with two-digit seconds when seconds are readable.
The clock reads 5,48
